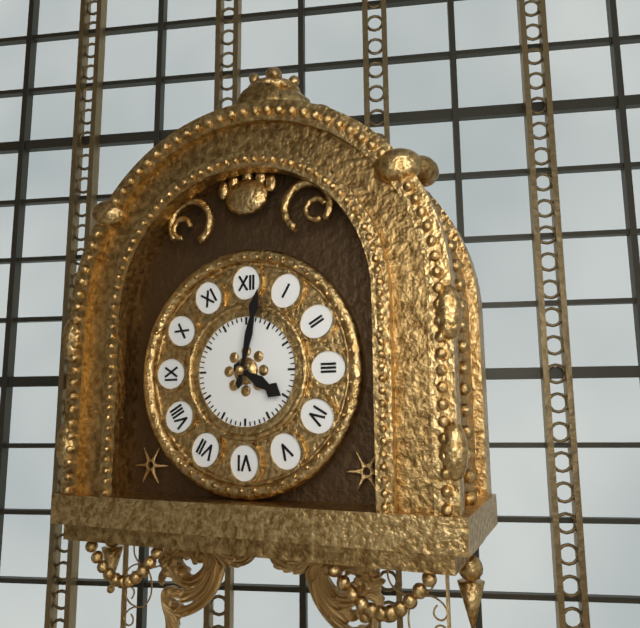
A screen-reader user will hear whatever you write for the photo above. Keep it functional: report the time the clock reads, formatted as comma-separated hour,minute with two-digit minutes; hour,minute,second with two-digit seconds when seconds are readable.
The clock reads 4,02
